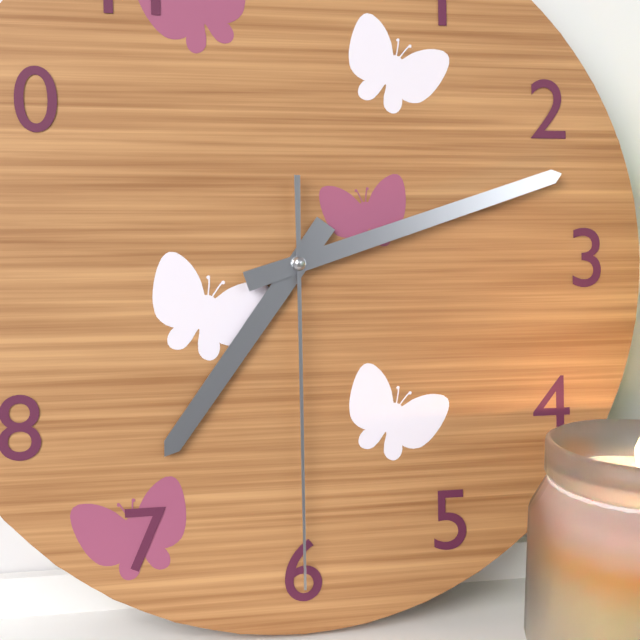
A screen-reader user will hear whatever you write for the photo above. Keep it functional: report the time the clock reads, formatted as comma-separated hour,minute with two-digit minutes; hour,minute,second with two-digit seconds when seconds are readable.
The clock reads 7,12,30
